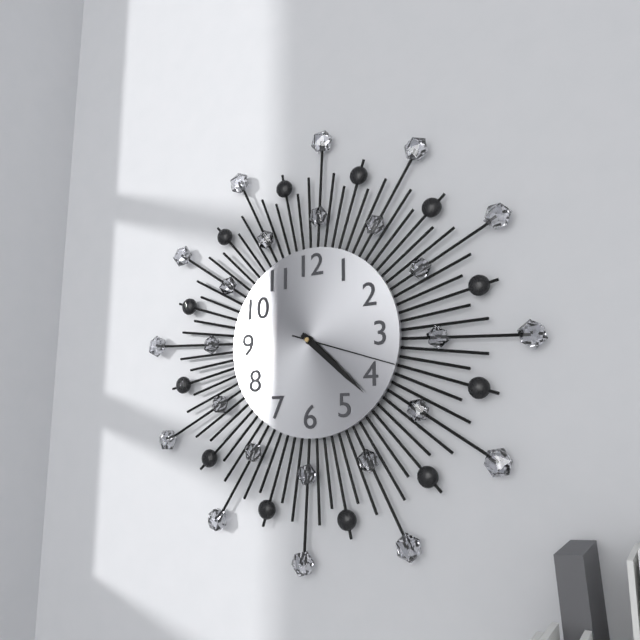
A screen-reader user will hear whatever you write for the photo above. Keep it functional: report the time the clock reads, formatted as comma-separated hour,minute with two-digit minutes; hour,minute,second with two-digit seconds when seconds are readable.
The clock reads 4,22,18
